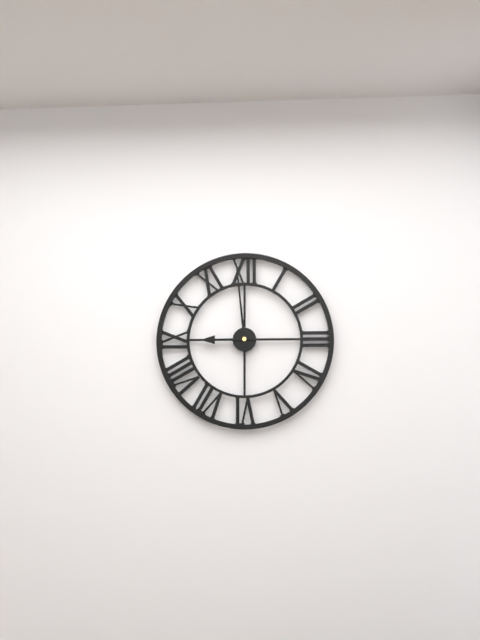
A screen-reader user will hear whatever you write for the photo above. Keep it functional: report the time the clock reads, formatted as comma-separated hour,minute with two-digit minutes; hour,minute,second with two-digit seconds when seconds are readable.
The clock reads 8,59
